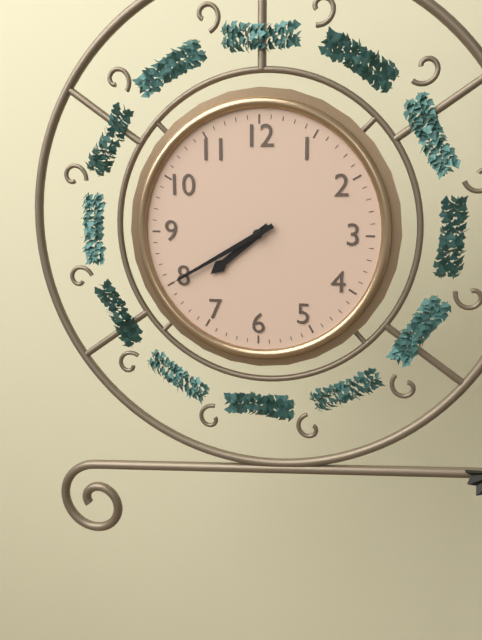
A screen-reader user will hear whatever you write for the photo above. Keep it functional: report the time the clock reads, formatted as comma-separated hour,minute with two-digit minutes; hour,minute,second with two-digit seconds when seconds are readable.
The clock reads 7,40
